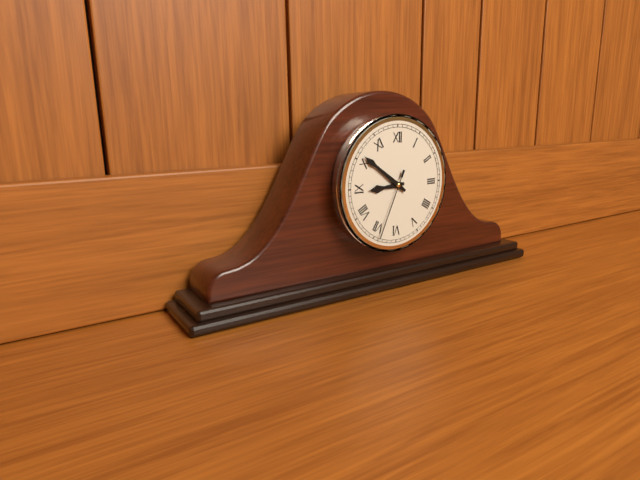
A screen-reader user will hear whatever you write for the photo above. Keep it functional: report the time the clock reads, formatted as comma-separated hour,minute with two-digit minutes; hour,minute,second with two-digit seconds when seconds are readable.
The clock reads 8,51,34
